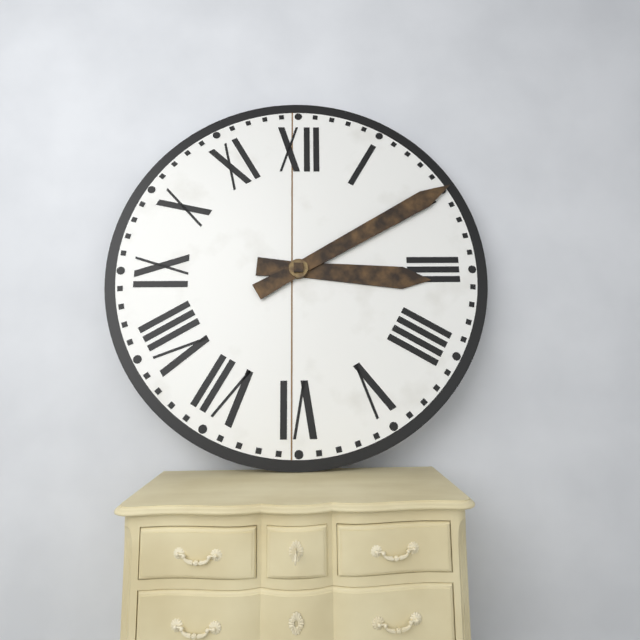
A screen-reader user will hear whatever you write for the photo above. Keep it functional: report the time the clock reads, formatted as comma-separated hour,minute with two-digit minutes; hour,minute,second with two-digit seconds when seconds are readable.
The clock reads 3,10
